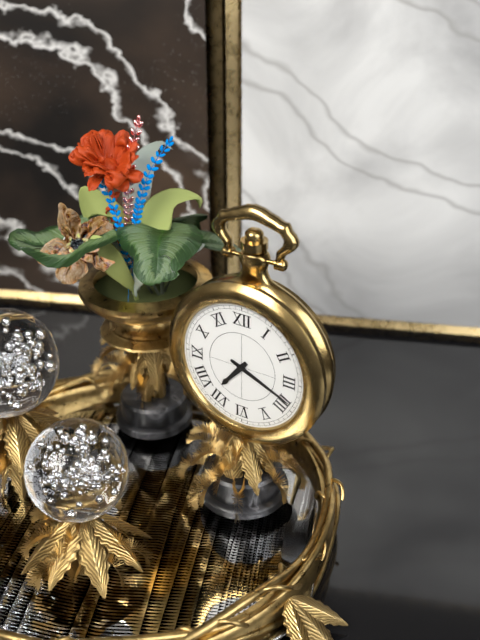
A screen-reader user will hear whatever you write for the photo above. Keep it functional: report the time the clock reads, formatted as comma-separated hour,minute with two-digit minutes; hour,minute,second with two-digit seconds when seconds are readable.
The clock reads 7,19
